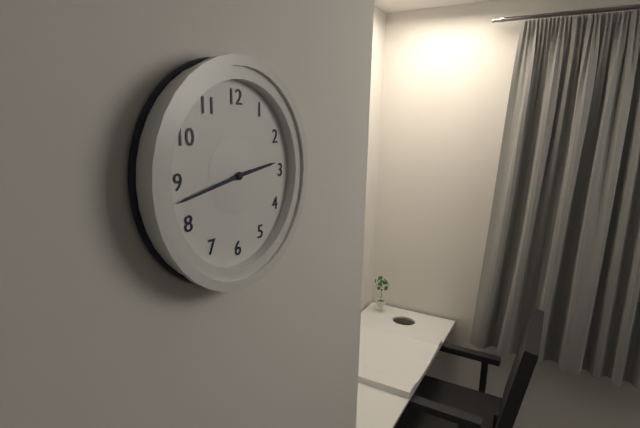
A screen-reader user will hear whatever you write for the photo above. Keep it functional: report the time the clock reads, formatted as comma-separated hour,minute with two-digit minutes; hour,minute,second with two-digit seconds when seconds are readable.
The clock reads 2,43
